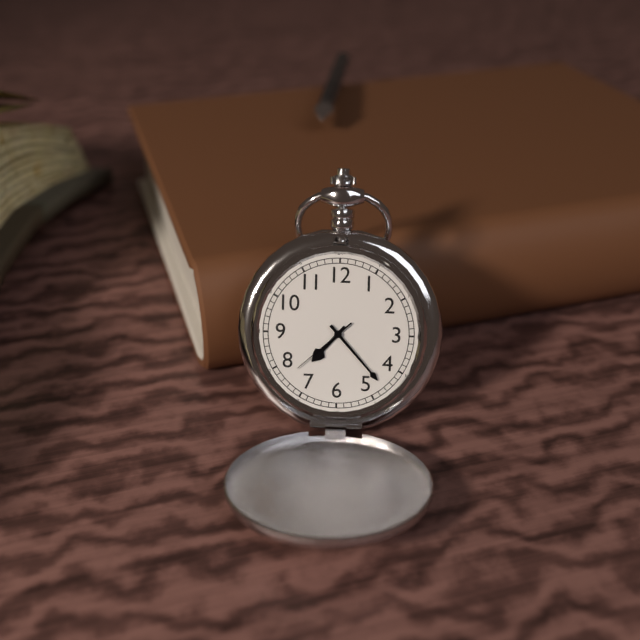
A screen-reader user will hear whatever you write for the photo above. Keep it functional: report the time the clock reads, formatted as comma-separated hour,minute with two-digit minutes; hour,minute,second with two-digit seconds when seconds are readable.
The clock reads 7,23,38
